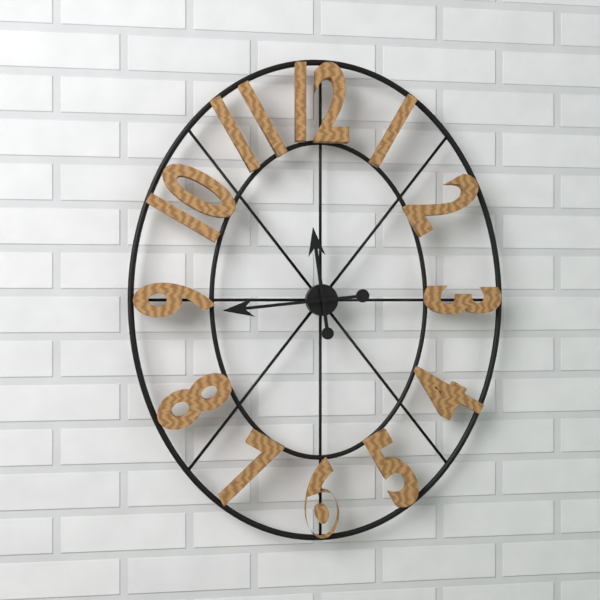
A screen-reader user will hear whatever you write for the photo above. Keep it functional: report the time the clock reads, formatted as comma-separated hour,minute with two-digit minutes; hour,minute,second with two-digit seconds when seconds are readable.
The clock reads 11,44
